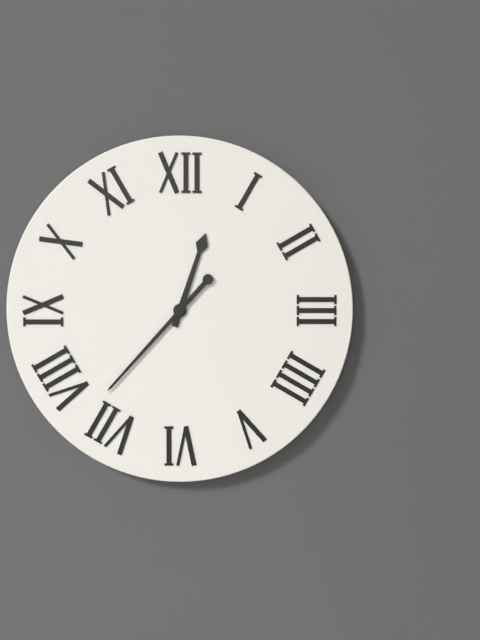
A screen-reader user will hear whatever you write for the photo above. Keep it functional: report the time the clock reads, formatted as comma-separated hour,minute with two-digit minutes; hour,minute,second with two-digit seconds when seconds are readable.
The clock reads 12,37
